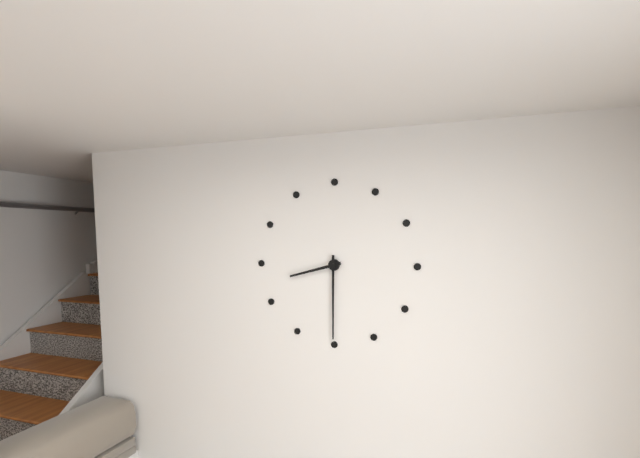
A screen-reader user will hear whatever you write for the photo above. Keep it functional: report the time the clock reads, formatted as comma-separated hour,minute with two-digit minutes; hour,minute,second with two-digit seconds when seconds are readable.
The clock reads 8,30
